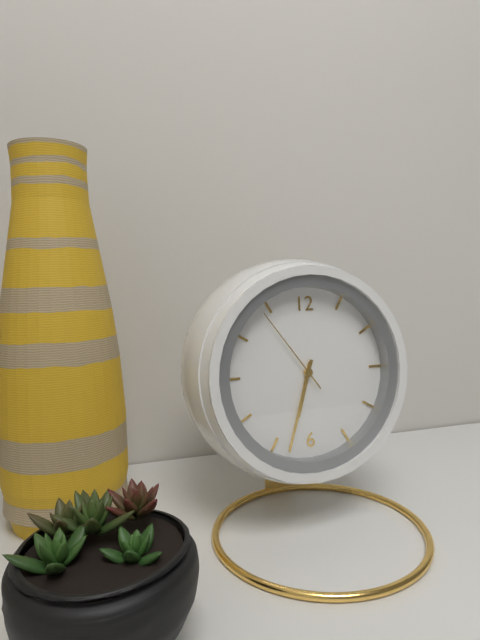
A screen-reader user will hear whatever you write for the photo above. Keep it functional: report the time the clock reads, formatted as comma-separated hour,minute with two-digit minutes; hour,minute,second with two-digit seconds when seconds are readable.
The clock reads 6,33,54
